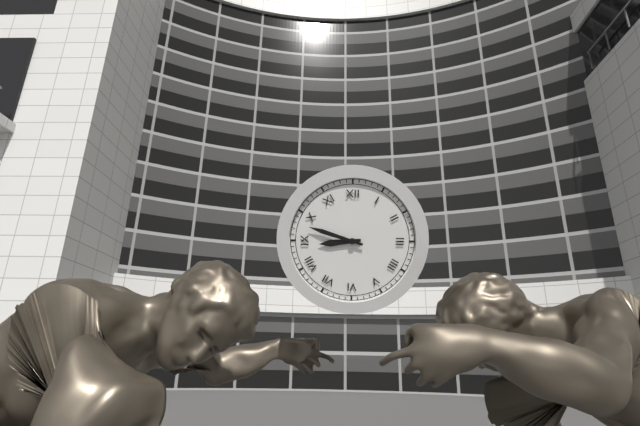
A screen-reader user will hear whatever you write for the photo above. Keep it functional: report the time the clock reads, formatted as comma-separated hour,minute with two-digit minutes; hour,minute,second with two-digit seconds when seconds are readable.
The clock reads 8,48
